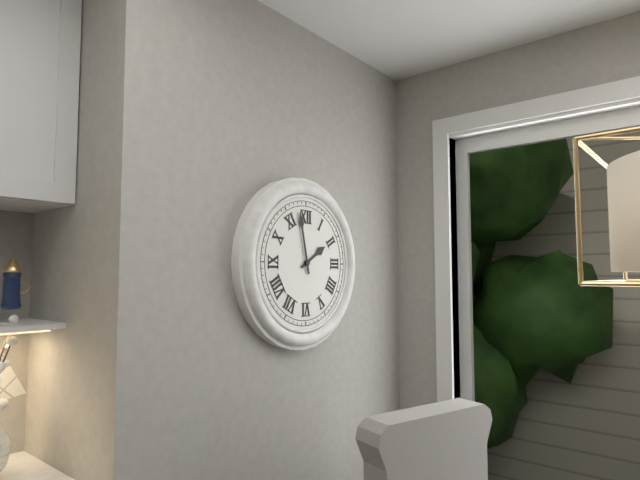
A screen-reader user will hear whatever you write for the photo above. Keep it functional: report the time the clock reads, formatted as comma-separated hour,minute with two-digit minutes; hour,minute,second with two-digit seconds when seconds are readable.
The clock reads 1,58
